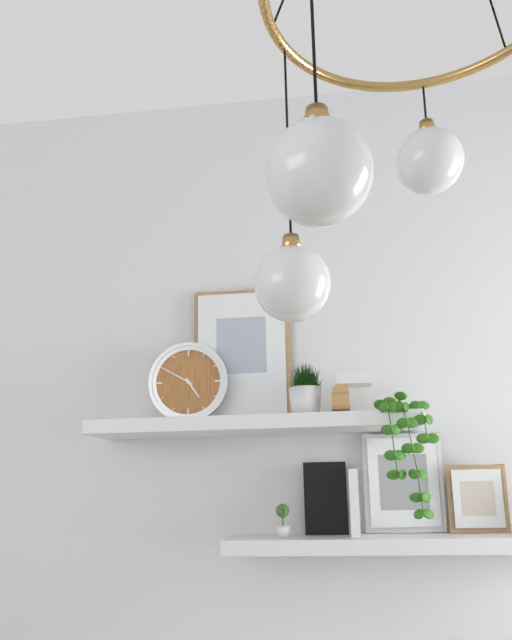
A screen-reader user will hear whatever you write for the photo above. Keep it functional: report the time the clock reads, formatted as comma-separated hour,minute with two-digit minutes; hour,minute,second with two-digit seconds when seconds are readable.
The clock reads 4,50
